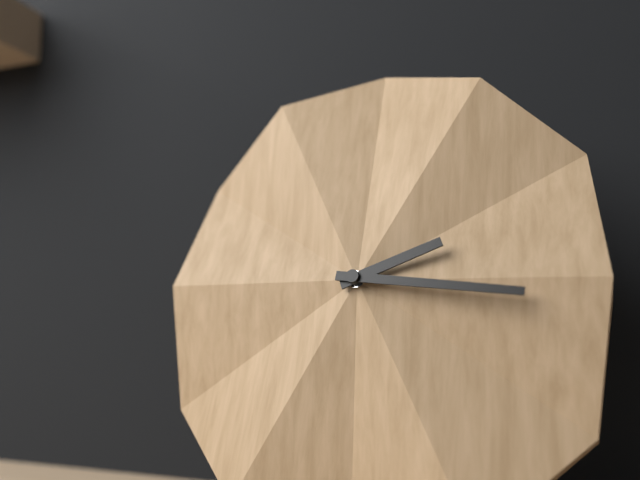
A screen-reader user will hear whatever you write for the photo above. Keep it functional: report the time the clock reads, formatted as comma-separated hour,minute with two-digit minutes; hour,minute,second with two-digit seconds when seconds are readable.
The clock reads 2,16
